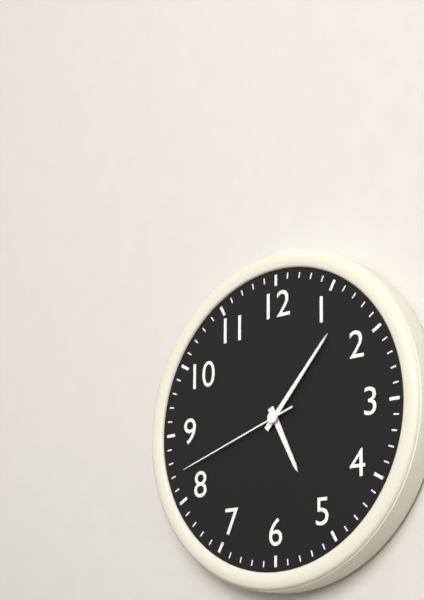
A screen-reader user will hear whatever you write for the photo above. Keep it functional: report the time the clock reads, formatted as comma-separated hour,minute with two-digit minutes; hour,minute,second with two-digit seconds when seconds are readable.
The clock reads 5,07,42
